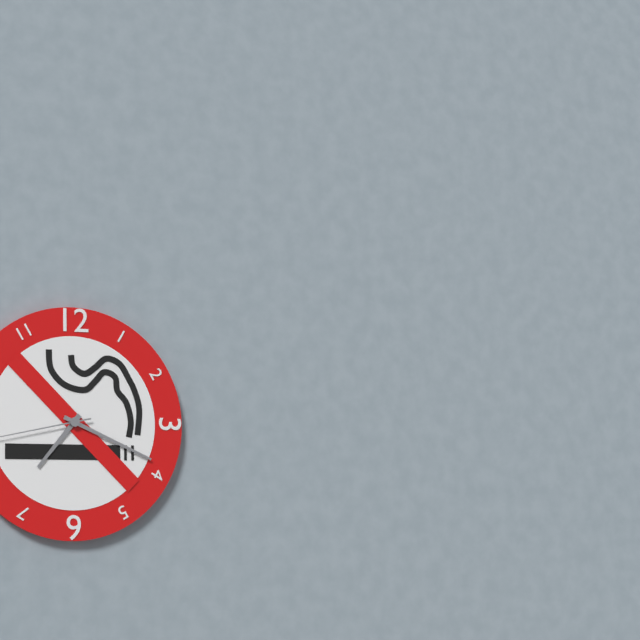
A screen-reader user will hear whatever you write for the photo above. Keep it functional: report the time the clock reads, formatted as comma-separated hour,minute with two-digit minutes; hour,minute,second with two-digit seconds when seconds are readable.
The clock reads 7,19
